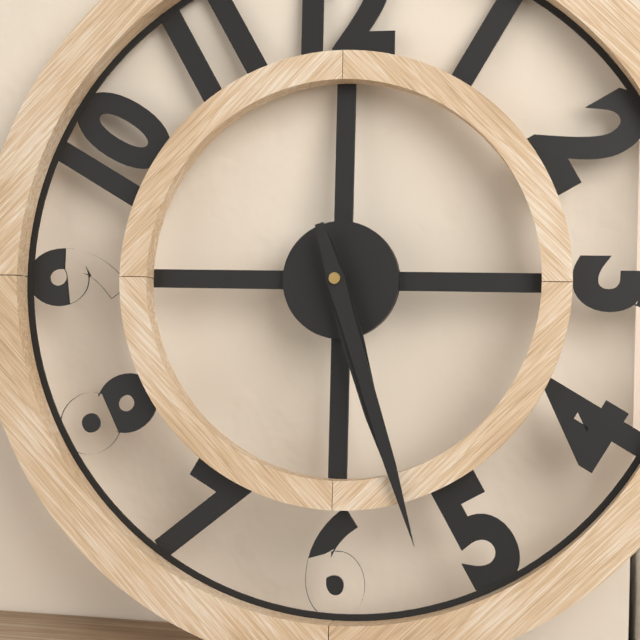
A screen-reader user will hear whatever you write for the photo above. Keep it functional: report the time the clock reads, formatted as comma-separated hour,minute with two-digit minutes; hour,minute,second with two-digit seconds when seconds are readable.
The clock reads 5,27
